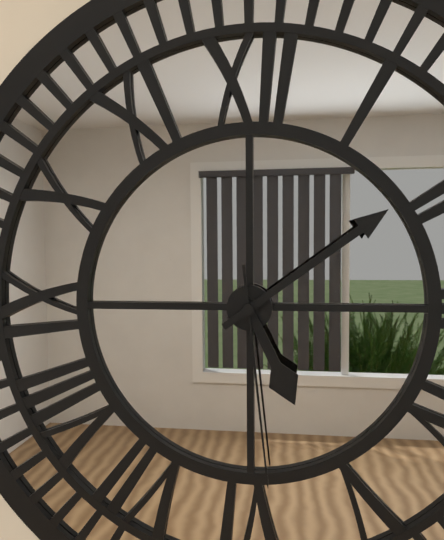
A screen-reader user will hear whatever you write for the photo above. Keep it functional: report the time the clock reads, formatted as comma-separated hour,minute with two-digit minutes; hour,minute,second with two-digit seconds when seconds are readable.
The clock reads 5,09,29
